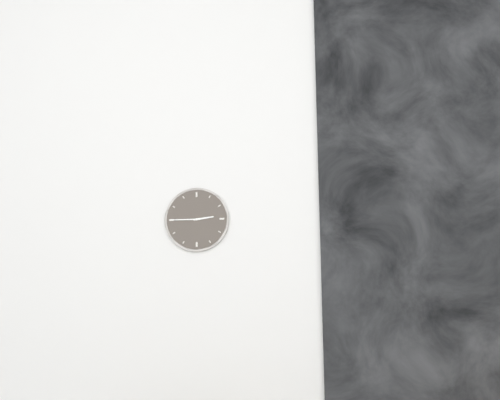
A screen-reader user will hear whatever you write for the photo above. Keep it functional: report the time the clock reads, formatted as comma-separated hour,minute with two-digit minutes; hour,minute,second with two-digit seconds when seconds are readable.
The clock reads 2,45
